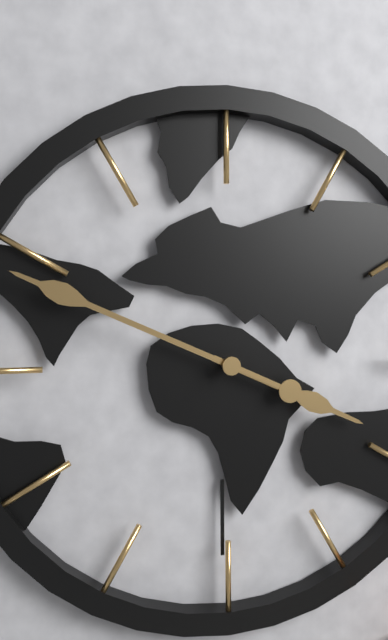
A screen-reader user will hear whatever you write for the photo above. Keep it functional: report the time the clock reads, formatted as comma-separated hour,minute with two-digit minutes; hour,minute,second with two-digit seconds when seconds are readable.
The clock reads 3,49
